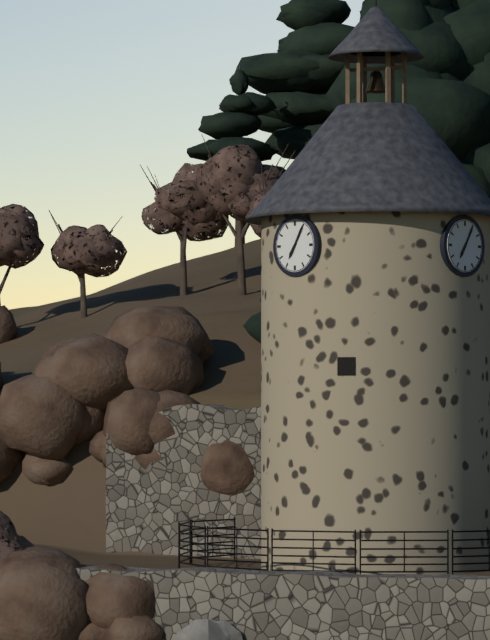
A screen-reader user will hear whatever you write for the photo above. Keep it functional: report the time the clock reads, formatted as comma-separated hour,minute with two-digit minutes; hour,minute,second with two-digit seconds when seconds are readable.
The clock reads 7,05
